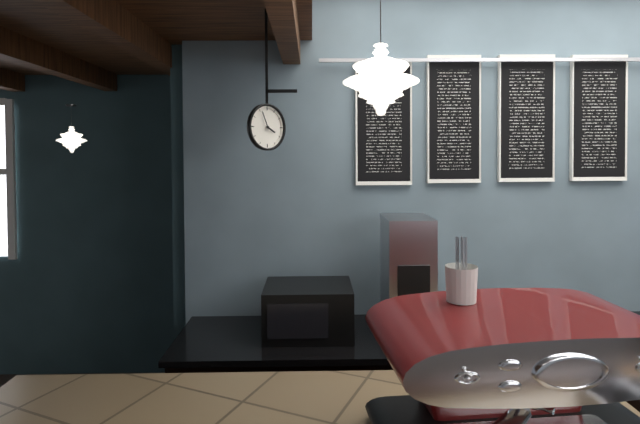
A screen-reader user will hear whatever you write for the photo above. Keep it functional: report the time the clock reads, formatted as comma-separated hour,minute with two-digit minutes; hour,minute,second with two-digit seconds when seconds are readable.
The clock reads 3,56
